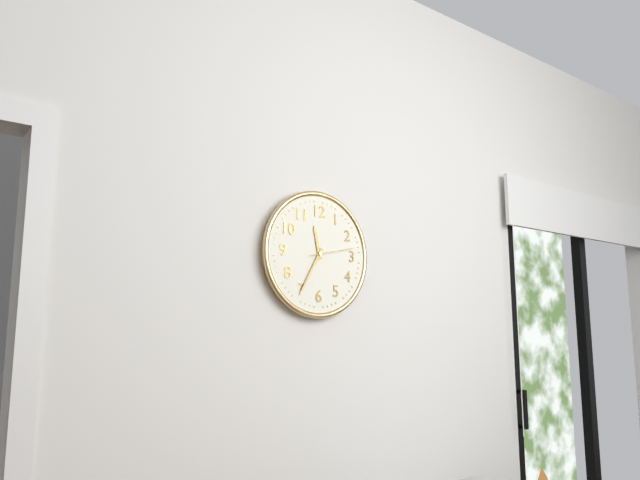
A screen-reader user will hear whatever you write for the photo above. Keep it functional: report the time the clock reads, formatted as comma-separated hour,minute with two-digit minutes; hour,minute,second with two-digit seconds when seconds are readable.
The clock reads 11,35
